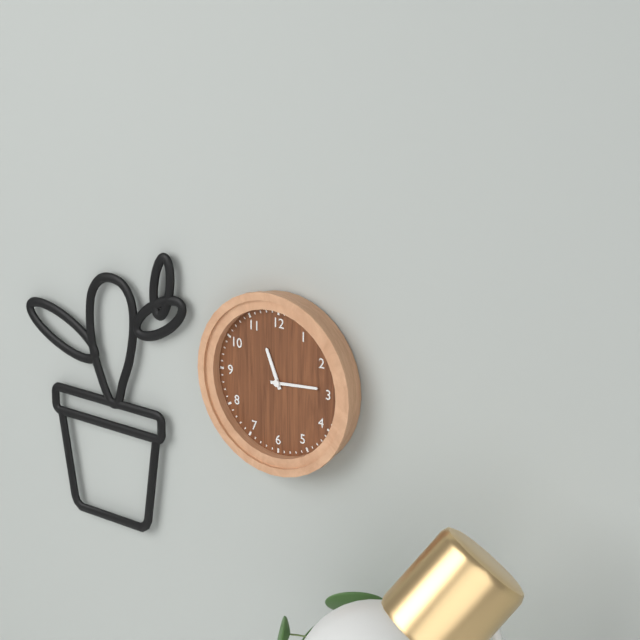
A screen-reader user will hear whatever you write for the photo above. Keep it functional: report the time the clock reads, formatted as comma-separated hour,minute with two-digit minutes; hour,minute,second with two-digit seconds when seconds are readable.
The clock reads 11,14
